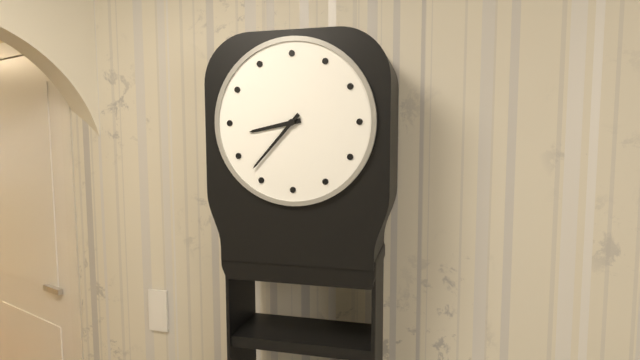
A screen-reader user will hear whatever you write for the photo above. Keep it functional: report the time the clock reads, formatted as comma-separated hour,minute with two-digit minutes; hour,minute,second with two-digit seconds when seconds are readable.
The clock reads 8,37
